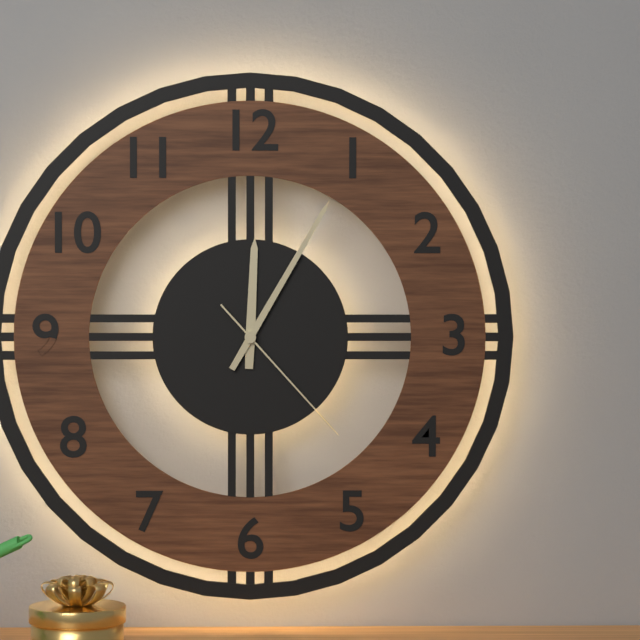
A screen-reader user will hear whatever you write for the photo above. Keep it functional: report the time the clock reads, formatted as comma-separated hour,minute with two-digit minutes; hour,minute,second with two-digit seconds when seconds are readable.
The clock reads 12,05,23
